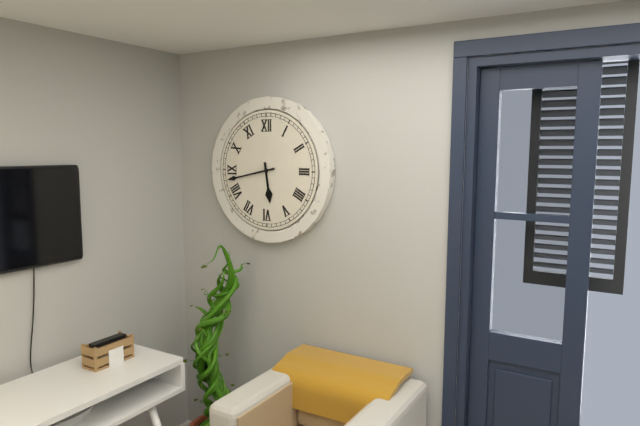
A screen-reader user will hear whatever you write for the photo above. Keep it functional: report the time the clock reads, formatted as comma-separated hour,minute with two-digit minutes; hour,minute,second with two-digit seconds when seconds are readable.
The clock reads 5,43
